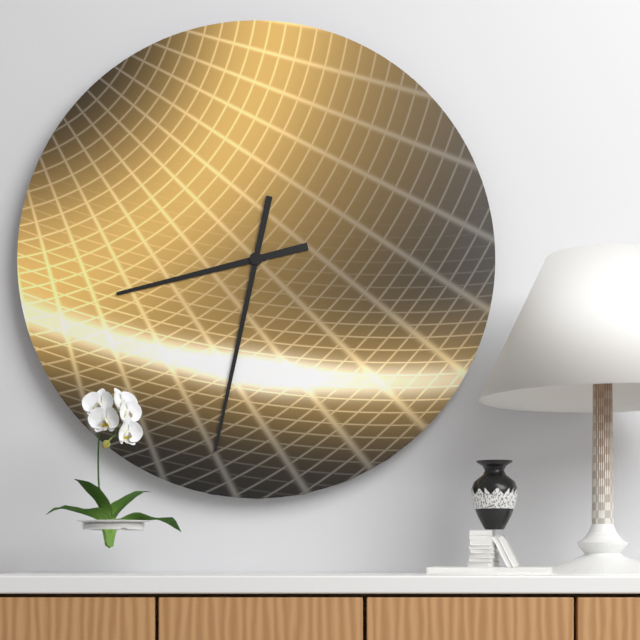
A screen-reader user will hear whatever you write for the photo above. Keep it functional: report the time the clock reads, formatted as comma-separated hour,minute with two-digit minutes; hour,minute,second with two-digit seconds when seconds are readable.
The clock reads 8,32
